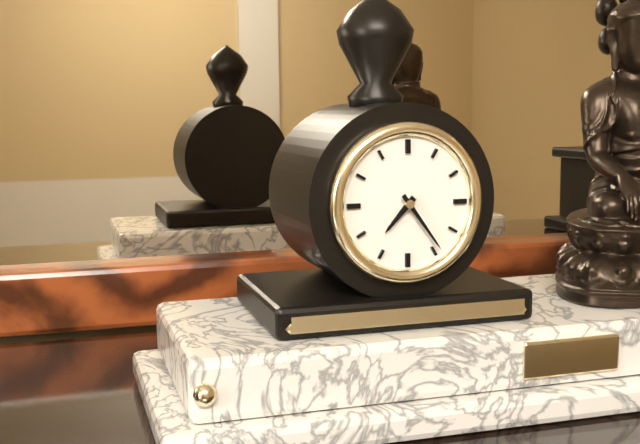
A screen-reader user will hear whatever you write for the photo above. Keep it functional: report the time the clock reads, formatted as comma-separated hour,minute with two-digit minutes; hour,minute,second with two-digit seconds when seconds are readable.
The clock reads 7,24
